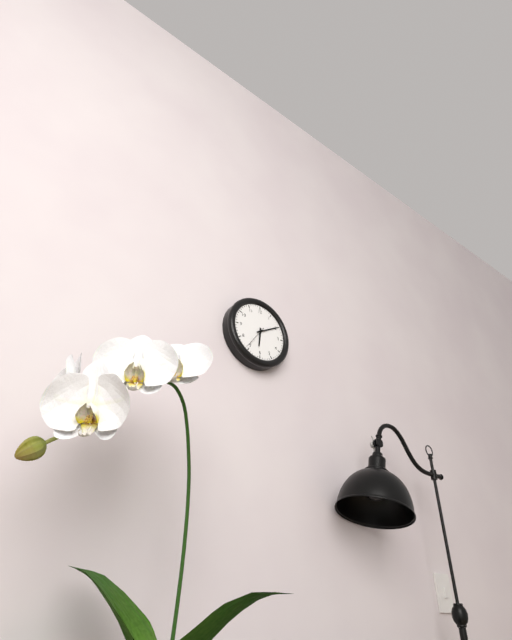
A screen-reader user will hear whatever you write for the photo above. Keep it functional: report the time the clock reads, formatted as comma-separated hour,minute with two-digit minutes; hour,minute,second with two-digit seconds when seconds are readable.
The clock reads 6,10
